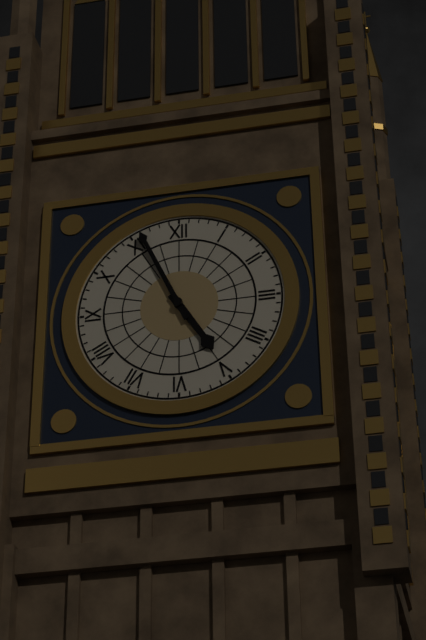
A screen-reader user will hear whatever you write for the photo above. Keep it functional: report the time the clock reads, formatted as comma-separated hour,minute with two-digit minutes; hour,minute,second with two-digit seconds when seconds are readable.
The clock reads 4,56
